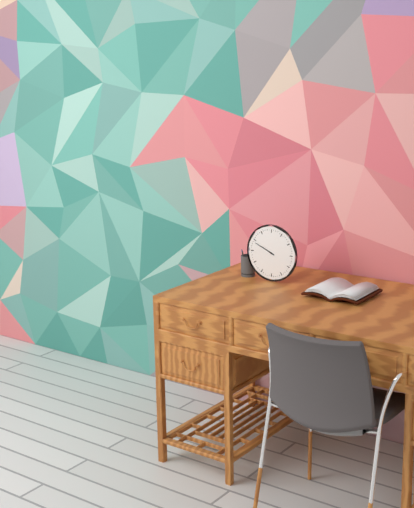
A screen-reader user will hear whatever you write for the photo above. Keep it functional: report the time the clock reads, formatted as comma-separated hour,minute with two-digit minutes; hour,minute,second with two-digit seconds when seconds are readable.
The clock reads 9,49
